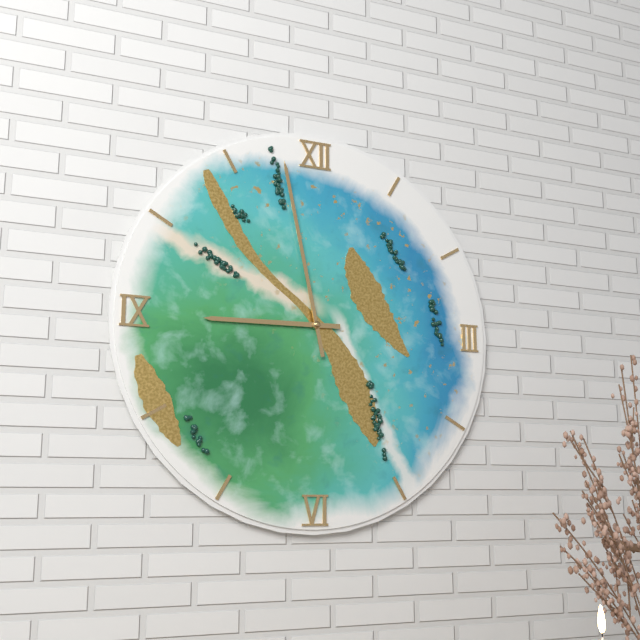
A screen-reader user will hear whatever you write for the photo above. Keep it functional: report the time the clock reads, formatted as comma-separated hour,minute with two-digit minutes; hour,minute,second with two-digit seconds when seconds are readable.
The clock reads 8,58
